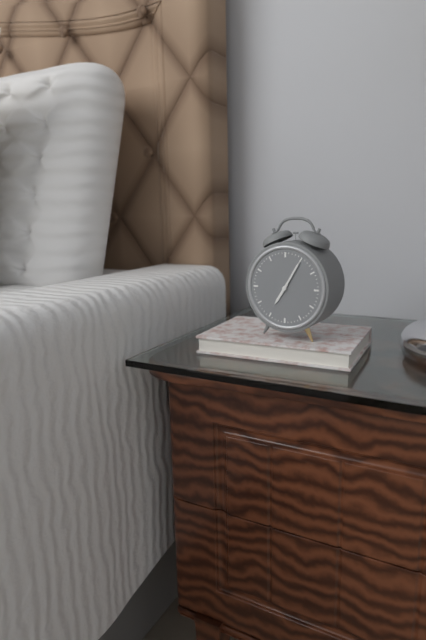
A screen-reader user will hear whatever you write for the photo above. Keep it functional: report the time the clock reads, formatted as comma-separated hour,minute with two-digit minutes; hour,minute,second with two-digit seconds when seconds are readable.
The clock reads 7,05
